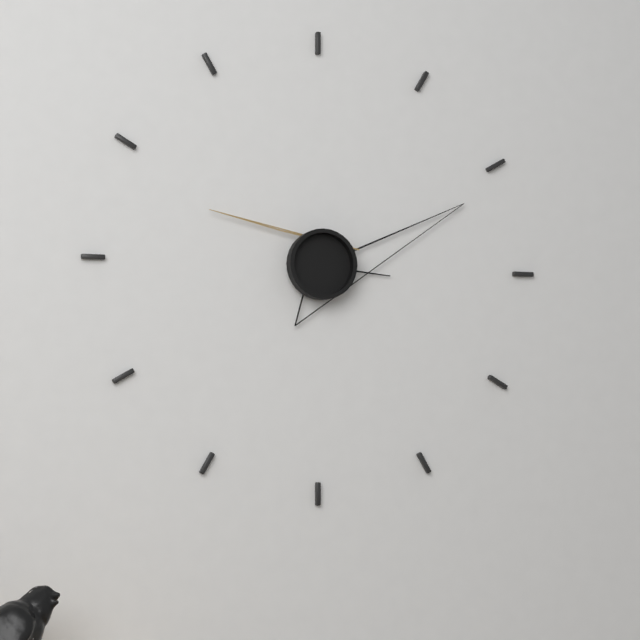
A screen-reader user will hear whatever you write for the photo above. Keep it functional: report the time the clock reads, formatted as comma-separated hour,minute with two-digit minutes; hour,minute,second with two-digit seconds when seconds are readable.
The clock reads 3,11,49
